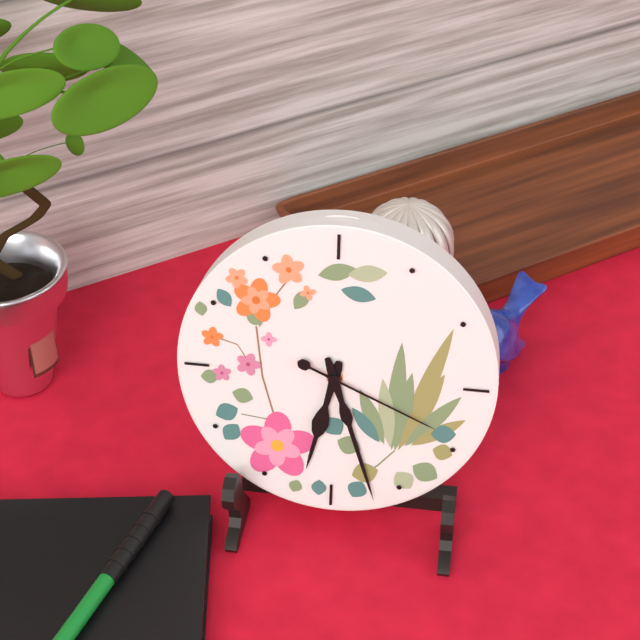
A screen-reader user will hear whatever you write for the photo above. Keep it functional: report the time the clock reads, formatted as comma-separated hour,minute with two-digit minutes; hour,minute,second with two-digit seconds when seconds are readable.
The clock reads 6,27,19
